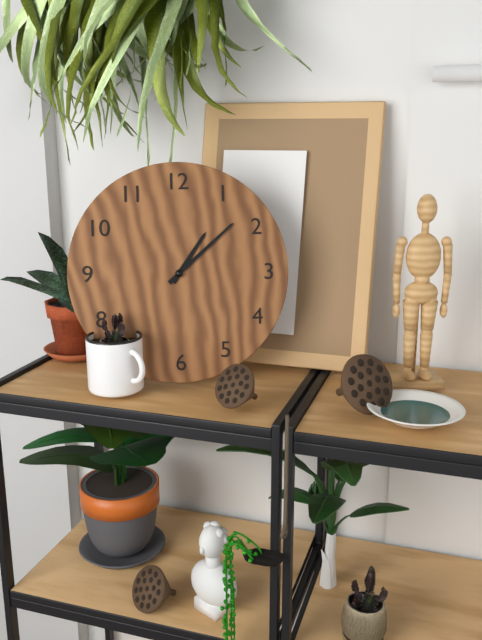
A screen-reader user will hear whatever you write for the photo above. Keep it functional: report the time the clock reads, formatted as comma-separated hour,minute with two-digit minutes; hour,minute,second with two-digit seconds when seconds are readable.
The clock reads 1,08
